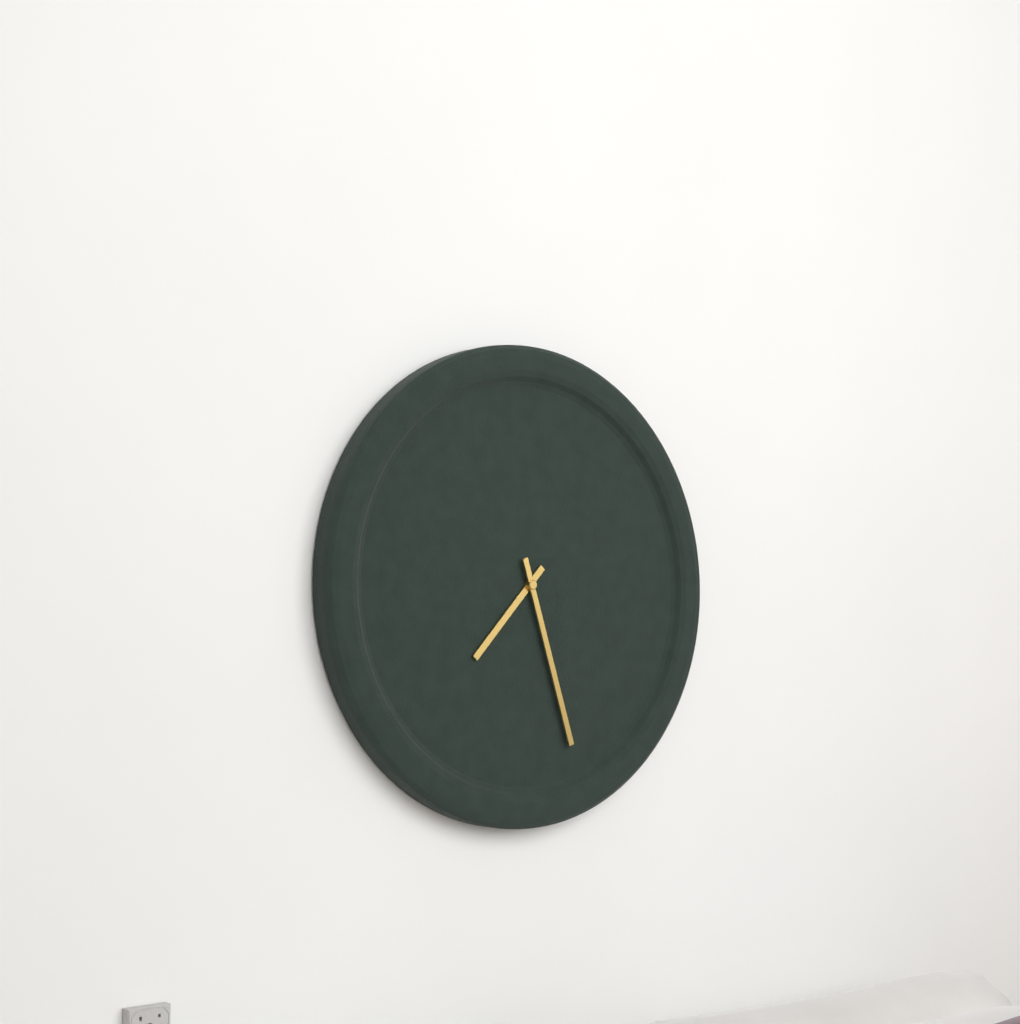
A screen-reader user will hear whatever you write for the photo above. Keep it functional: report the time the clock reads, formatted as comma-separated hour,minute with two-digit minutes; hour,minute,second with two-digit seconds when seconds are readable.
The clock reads 7,27
